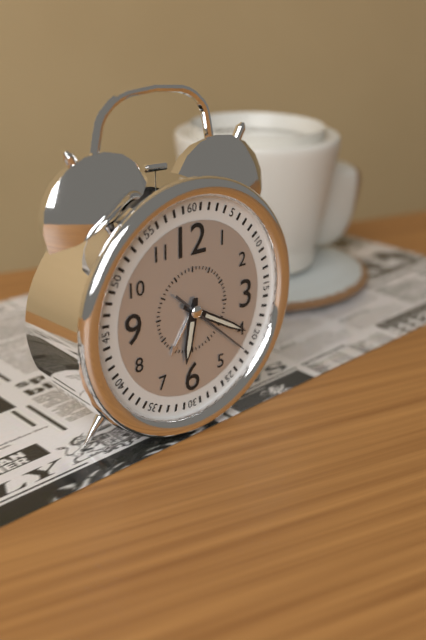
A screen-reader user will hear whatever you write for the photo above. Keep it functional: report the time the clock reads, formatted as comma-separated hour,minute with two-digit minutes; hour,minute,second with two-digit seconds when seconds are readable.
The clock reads 6,20,22
